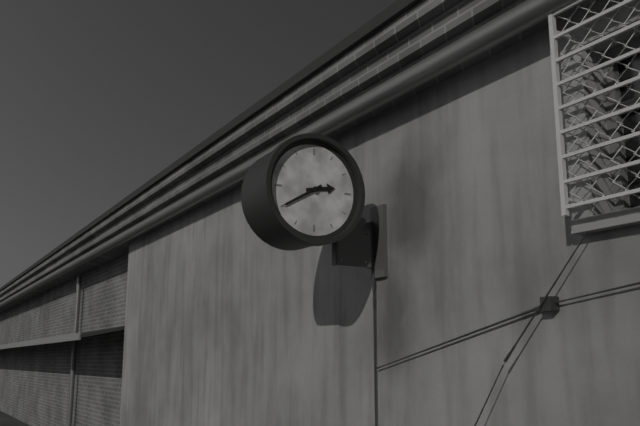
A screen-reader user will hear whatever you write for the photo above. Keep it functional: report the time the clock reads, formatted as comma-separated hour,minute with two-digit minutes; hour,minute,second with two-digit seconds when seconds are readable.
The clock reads 2,40
